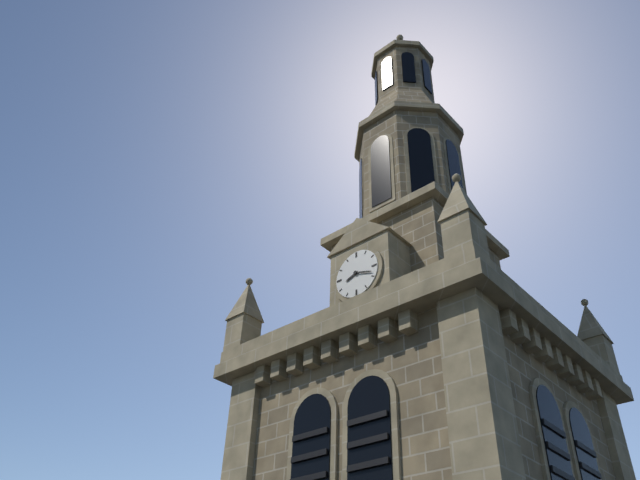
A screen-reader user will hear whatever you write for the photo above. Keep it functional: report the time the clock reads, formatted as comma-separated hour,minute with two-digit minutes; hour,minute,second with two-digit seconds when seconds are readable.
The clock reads 8,18
